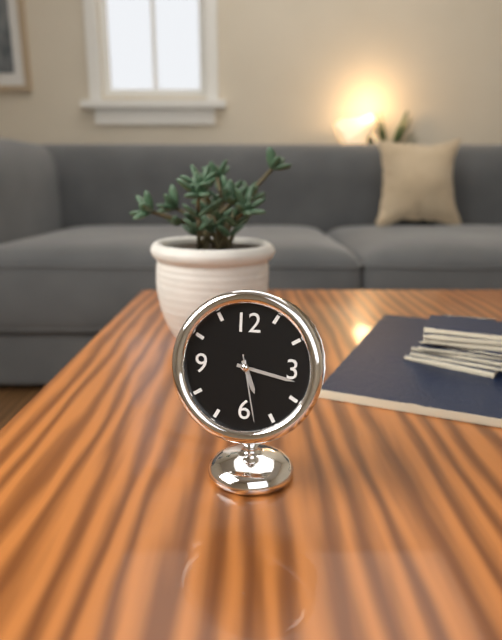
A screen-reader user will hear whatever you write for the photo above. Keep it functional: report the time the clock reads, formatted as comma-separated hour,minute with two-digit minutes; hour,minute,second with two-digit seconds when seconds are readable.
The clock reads 5,17,28
